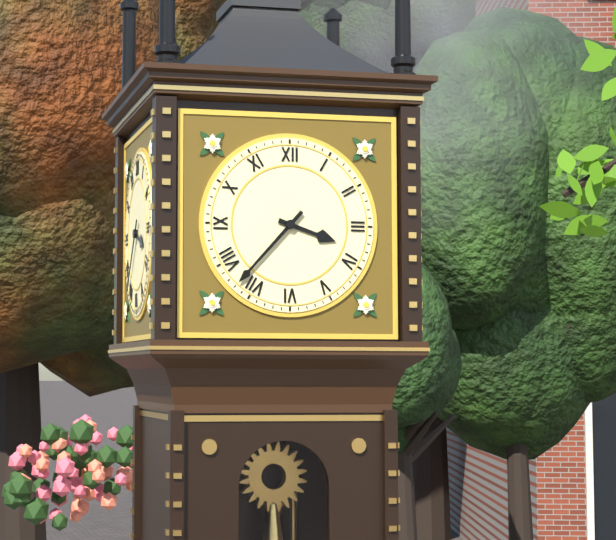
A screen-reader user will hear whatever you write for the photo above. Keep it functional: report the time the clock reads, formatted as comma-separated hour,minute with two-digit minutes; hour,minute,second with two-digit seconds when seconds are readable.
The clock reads 3,37
